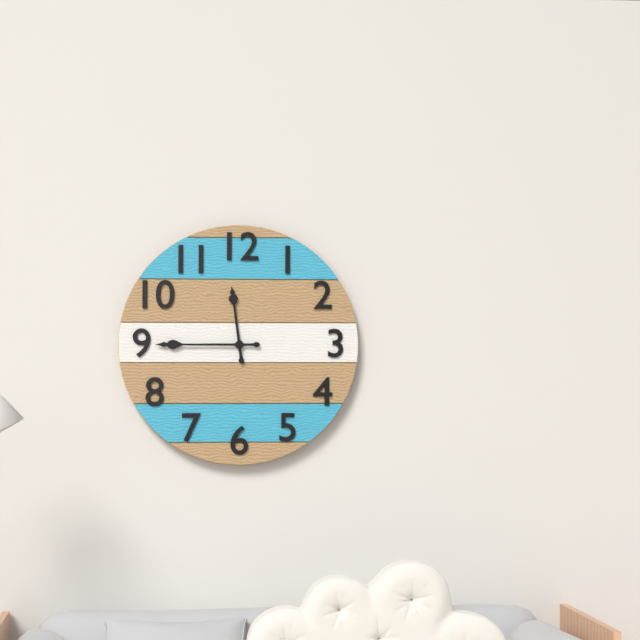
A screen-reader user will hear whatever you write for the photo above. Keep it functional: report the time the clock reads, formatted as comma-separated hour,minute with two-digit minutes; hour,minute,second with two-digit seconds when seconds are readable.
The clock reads 11,45
